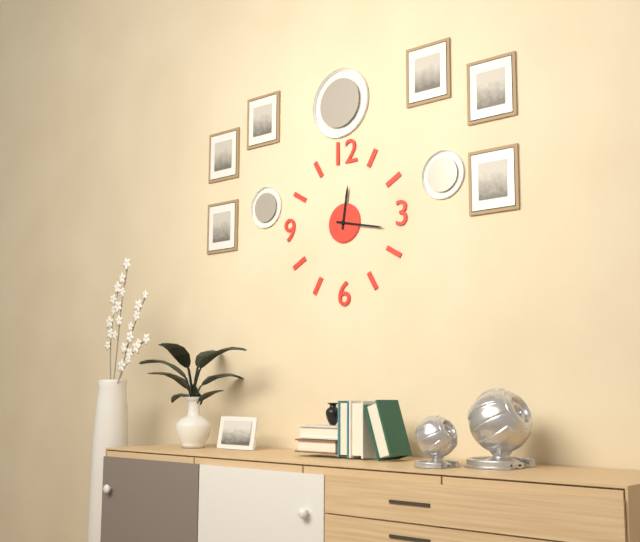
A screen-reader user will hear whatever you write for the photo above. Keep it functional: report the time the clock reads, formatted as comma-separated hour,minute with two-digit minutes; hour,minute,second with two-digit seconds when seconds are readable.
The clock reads 12,17
